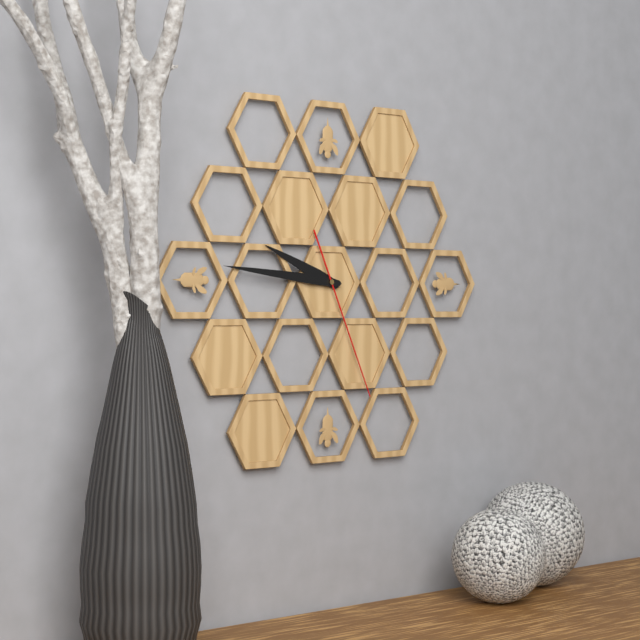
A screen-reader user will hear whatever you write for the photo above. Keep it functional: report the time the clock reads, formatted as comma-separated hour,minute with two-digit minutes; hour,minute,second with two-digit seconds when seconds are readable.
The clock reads 9,46,26
